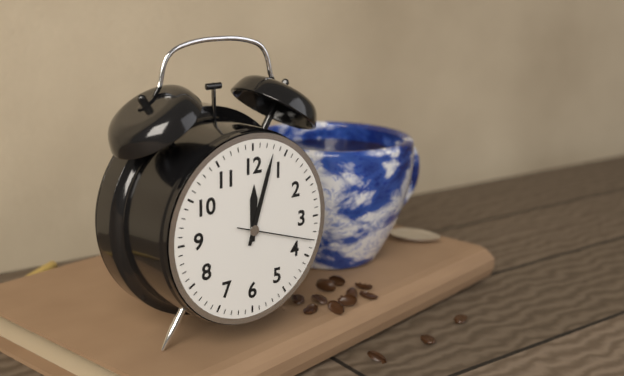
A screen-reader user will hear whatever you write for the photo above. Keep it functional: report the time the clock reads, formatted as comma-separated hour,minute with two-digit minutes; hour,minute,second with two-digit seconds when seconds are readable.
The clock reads 12,03,18
